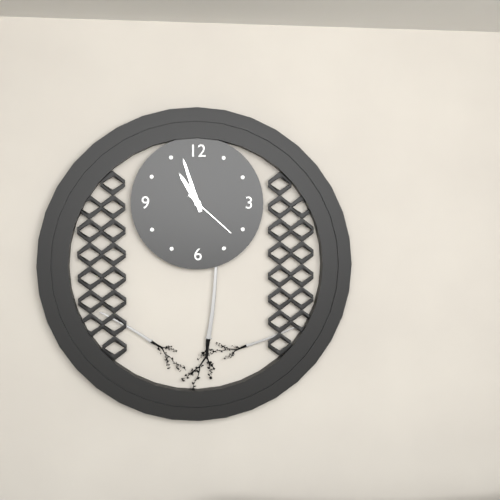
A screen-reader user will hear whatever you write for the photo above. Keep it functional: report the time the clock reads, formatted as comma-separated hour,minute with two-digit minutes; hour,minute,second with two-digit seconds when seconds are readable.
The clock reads 10,57,22
